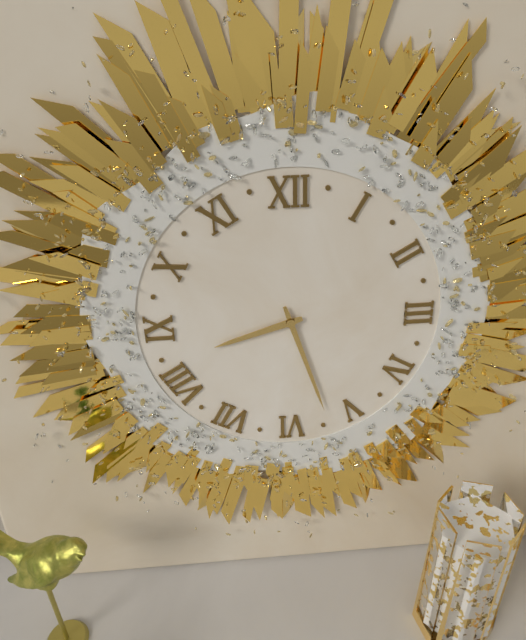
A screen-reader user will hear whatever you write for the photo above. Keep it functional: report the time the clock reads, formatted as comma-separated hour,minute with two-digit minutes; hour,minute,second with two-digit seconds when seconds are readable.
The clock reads 8,27
